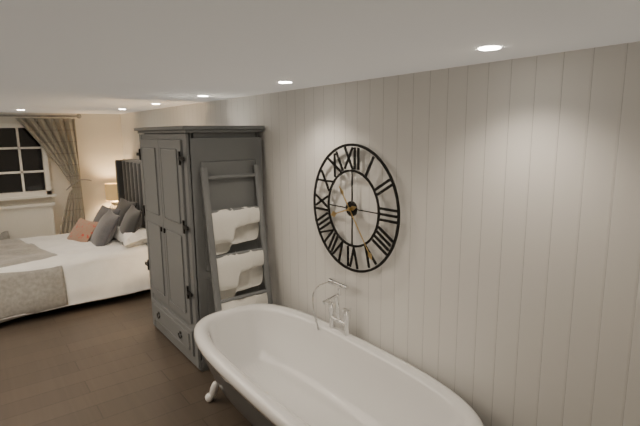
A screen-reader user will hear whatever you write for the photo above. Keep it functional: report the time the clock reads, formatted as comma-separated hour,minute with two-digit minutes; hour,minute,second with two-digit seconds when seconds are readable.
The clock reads 8,24
